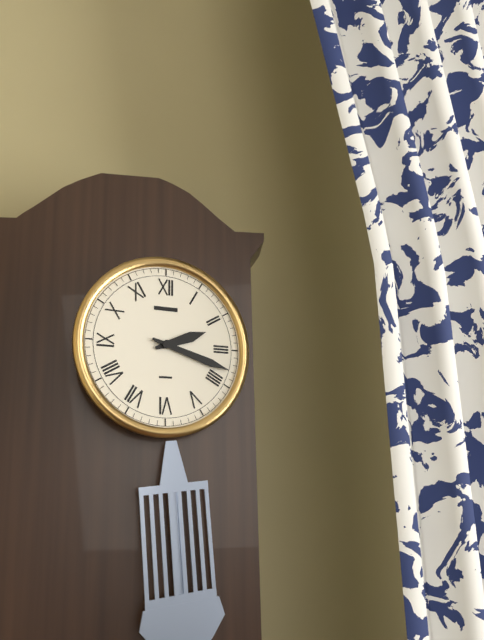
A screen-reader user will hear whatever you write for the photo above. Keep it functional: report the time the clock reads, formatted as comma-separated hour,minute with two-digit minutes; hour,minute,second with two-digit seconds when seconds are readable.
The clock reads 2,18
